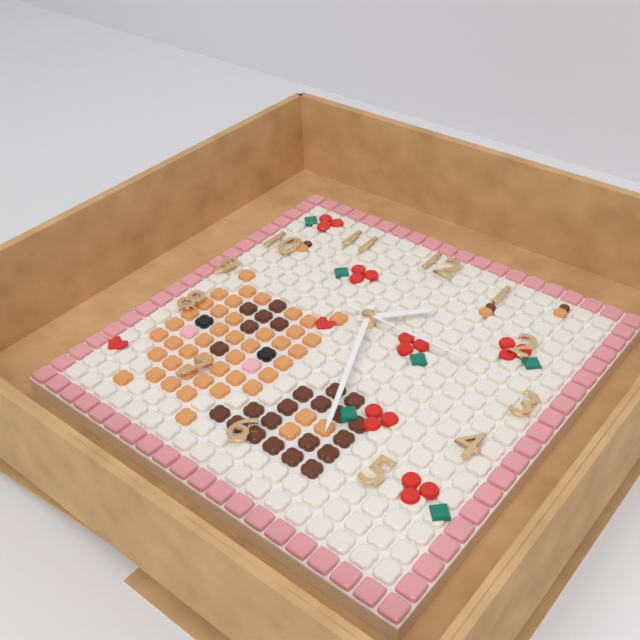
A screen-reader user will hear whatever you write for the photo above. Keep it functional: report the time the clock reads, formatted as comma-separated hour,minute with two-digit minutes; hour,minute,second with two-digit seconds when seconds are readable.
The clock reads 1,26,15
